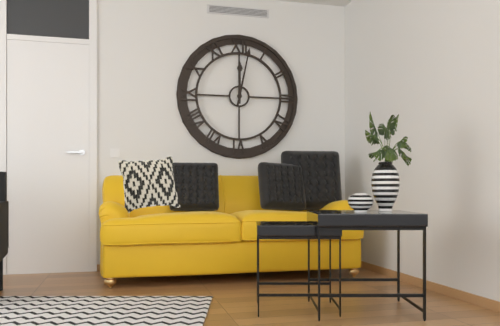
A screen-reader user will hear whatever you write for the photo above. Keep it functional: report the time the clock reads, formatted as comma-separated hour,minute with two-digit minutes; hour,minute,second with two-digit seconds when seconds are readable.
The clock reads 12,02
